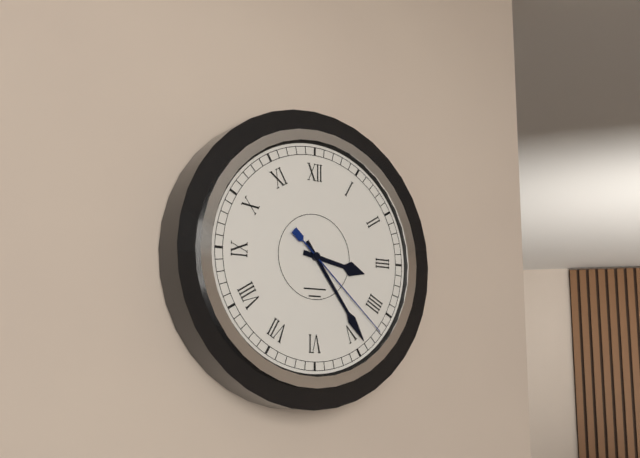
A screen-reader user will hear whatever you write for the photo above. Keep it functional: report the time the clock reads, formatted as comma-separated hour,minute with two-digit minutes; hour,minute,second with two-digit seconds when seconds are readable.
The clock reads 3,24,22
